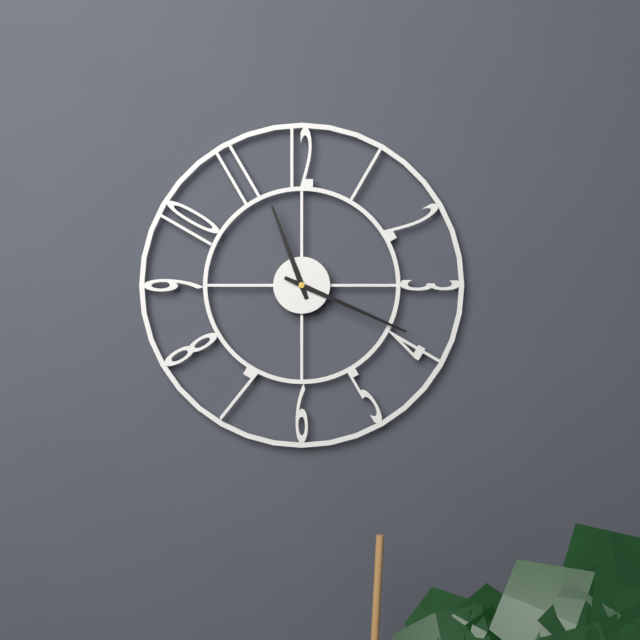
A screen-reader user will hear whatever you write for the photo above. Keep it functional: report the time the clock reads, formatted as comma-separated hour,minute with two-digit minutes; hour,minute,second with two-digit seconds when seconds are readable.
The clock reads 11,19
